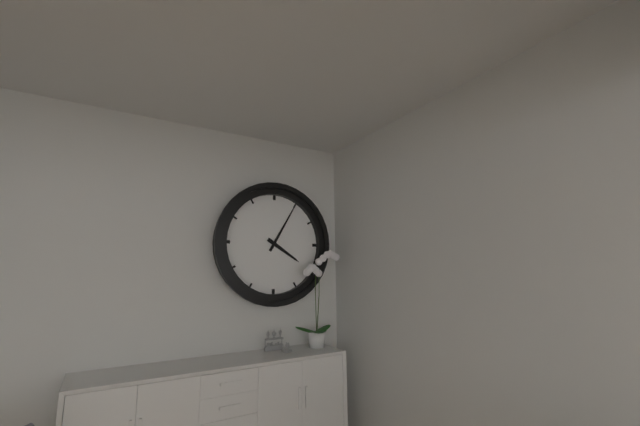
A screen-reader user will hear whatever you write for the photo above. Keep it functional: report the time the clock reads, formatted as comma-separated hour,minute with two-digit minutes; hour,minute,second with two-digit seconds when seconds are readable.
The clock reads 4,05
